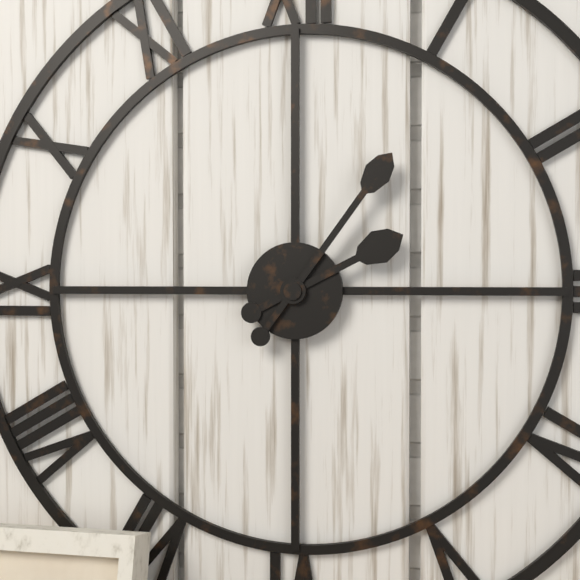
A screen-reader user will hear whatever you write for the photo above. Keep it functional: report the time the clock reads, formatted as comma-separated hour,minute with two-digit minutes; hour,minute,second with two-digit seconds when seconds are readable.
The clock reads 2,06
